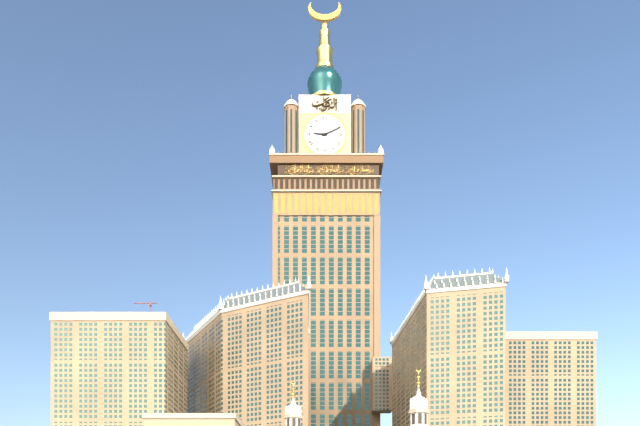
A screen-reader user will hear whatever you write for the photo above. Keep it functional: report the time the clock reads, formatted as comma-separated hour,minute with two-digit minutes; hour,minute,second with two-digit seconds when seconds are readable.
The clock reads 9,11
